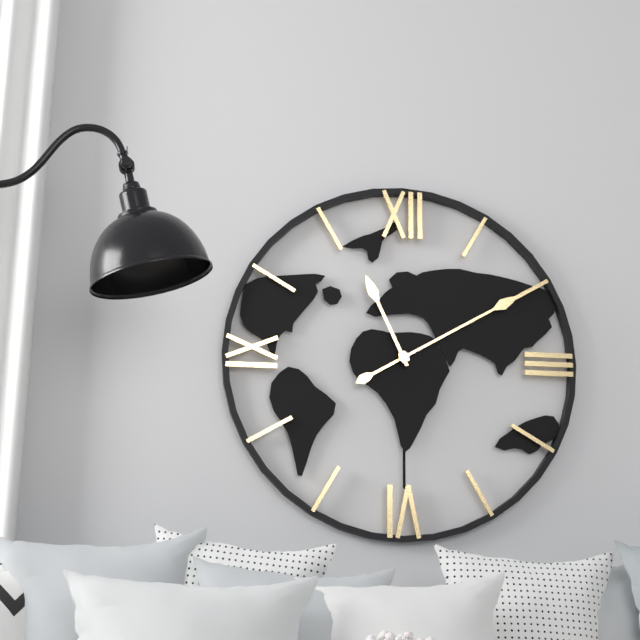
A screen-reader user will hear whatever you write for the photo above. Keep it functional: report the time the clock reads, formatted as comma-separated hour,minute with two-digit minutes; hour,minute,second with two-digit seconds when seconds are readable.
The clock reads 11,10
